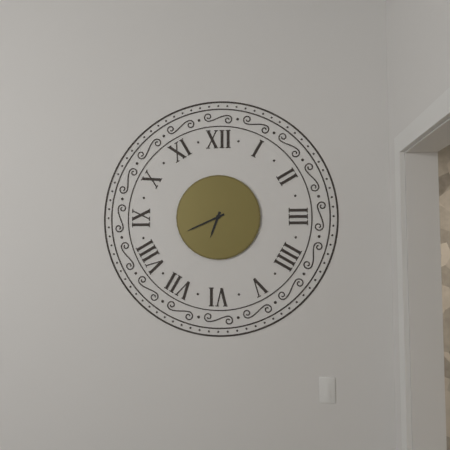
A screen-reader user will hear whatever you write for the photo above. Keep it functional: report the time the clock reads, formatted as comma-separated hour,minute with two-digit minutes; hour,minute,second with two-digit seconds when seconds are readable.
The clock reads 6,41
